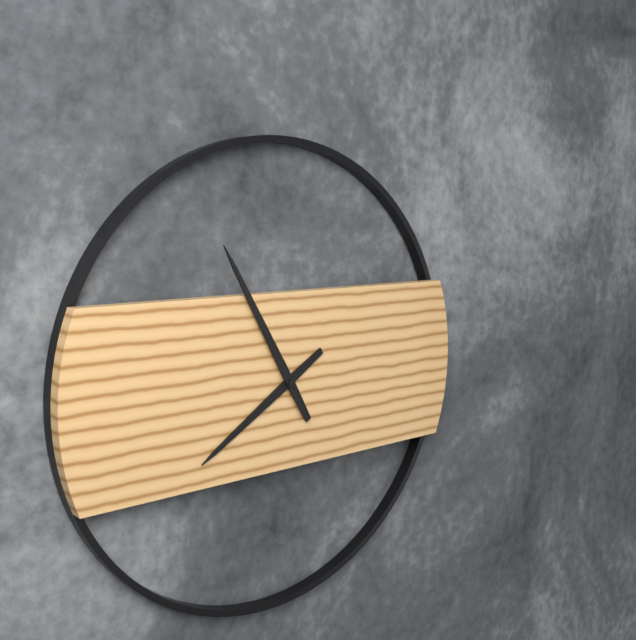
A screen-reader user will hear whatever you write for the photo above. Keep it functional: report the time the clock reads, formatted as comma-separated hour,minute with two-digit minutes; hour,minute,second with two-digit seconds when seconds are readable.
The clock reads 7,55
